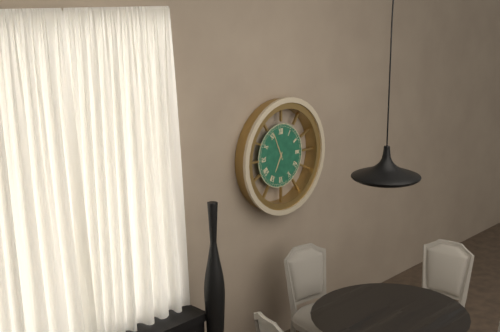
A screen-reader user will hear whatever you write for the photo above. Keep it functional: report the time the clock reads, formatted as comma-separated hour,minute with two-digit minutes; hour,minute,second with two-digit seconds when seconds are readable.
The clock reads 6,56
